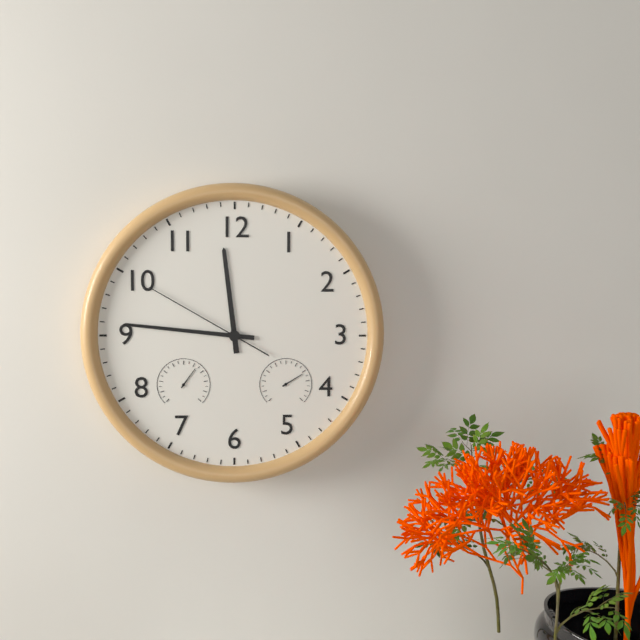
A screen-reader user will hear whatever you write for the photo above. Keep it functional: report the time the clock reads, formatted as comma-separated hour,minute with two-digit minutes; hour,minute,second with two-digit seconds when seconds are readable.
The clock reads 11,46,50
